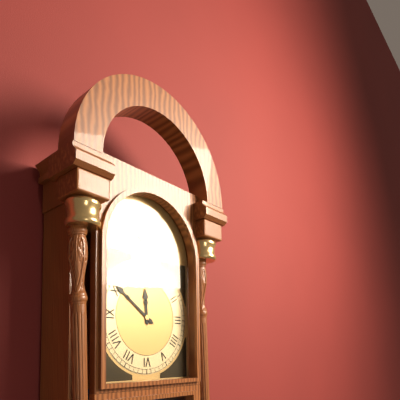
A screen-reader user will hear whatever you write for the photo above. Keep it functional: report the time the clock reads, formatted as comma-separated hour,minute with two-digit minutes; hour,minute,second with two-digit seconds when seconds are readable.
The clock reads 11,51
